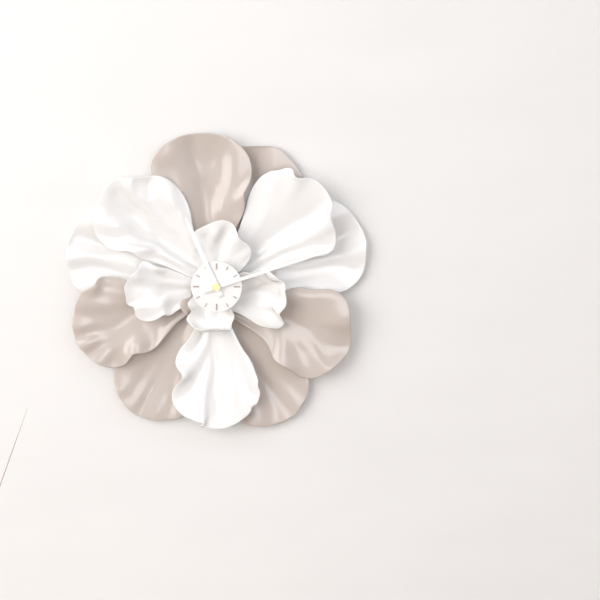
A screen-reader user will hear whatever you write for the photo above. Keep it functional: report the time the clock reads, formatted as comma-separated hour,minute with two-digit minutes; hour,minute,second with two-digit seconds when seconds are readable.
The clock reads 11,12
